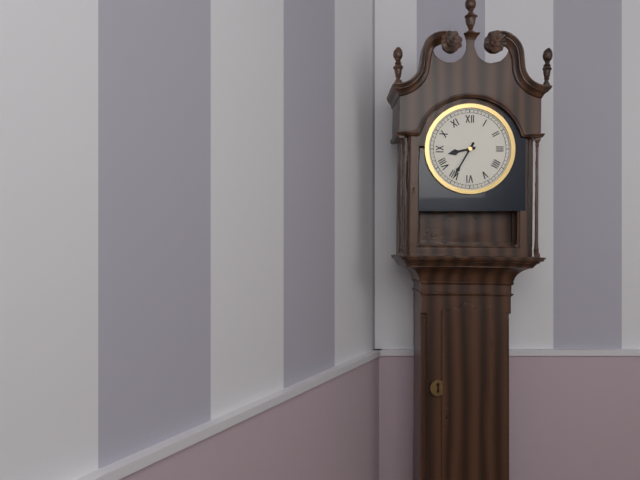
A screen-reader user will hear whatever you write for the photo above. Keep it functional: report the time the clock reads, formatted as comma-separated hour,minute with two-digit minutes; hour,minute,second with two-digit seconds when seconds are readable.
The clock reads 8,35
